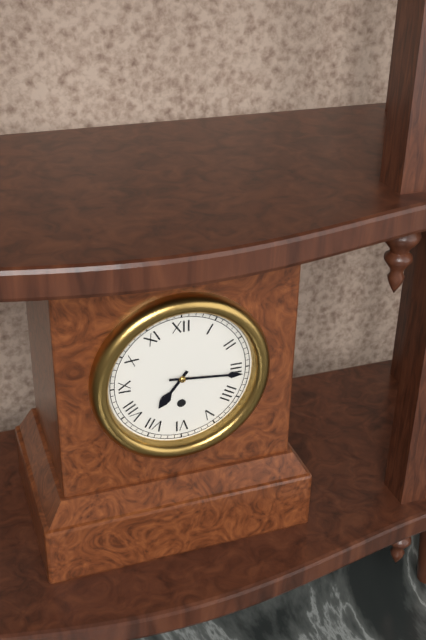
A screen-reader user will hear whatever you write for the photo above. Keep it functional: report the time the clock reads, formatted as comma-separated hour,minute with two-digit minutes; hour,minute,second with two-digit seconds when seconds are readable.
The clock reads 7,16
